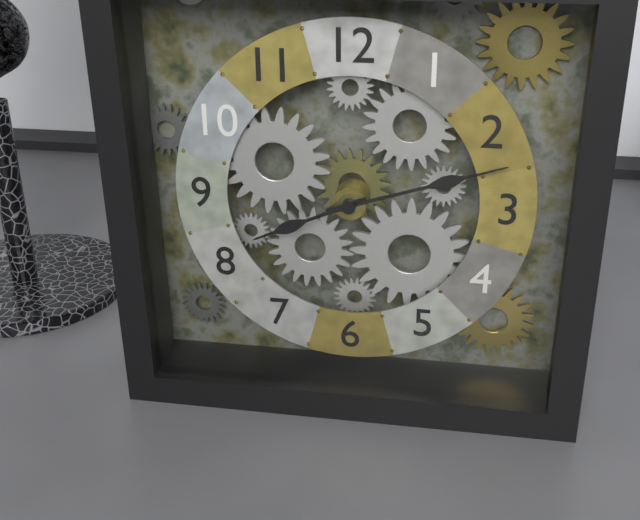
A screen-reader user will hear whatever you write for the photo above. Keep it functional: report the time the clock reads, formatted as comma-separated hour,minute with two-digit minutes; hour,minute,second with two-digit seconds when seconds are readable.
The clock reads 8,12
